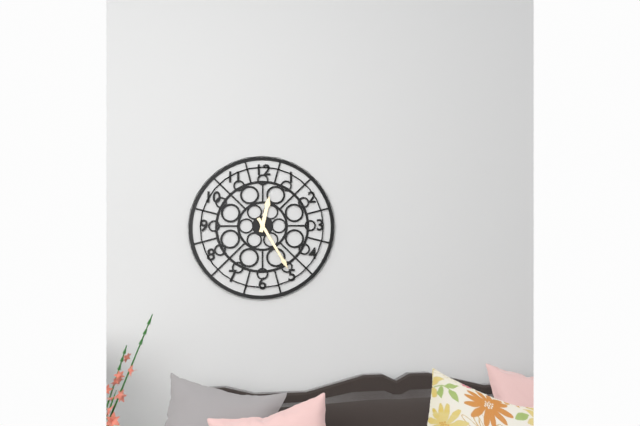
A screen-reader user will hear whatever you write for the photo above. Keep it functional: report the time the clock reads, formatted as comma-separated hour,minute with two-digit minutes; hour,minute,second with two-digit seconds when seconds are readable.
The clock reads 12,25
